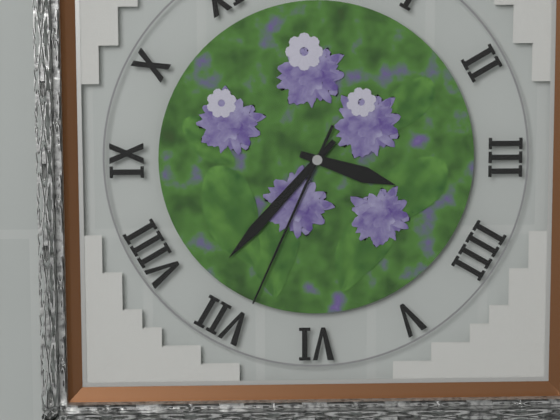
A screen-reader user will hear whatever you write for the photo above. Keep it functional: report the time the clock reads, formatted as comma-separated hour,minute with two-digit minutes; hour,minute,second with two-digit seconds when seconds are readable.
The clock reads 3,37,34
